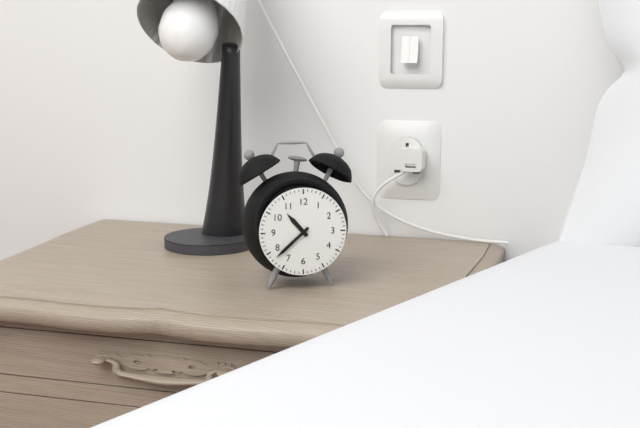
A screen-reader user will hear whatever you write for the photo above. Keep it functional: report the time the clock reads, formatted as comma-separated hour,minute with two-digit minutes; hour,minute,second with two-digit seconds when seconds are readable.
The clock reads 10,38
